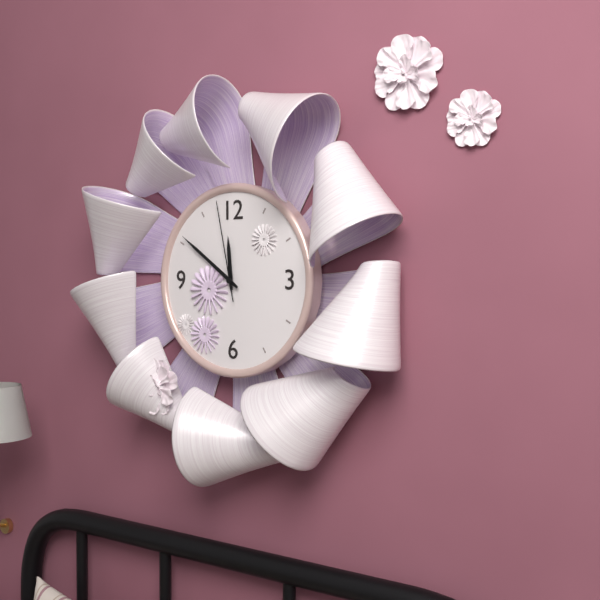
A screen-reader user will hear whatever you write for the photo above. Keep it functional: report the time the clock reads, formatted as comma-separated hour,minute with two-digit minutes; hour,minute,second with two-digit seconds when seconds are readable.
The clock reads 11,51,58
